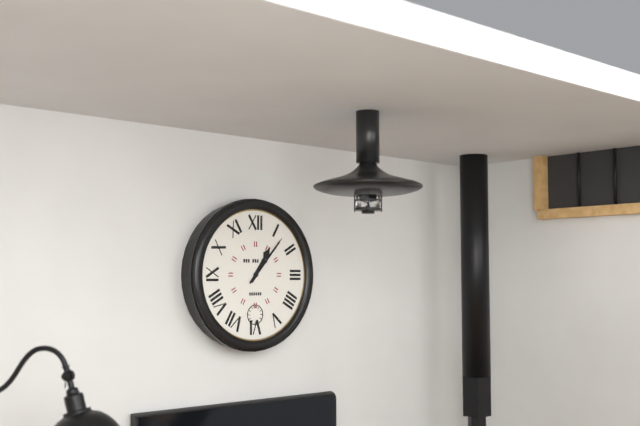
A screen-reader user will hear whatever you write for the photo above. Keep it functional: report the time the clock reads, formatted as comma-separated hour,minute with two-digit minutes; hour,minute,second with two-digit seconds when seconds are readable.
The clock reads 1,07
